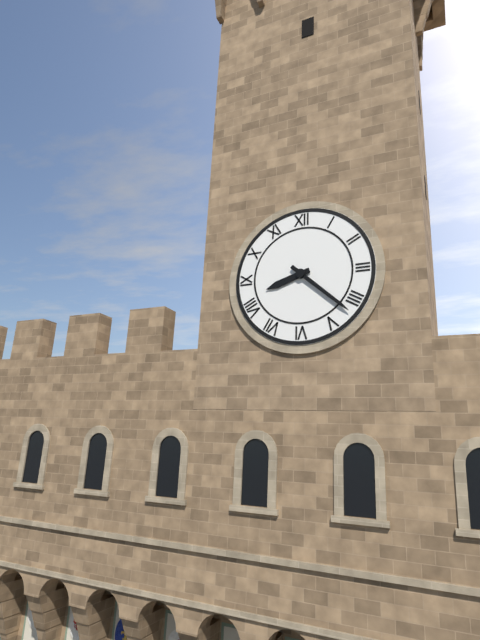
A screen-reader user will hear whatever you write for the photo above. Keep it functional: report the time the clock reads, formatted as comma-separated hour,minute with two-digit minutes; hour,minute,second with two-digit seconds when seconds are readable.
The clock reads 8,22
